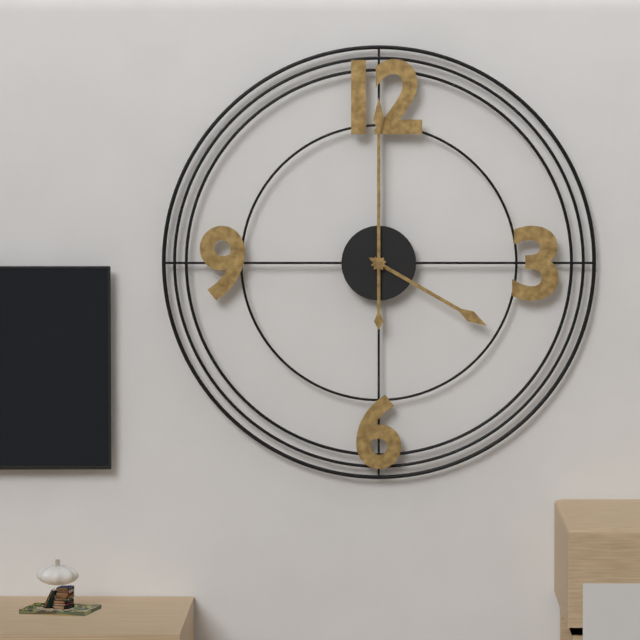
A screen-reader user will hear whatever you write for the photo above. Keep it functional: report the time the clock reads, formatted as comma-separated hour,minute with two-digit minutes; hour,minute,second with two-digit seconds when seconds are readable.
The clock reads 4,00
